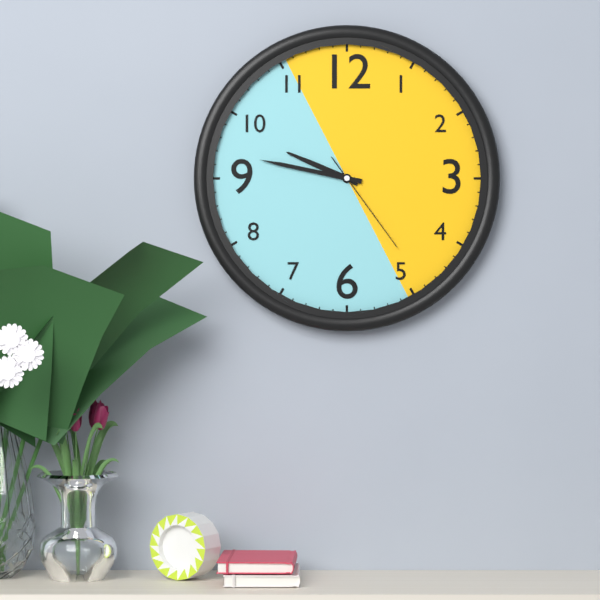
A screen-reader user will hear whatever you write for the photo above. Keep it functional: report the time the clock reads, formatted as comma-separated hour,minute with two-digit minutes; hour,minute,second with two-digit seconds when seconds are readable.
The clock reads 9,47,24
